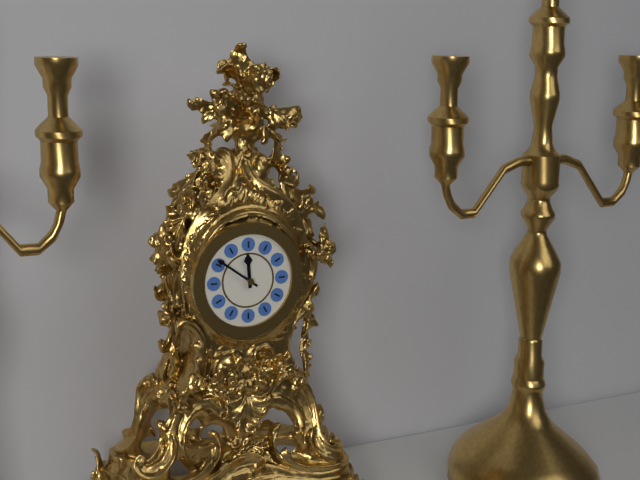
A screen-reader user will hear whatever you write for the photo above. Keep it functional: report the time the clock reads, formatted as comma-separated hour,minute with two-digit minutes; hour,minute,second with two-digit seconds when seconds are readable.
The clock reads 11,51
